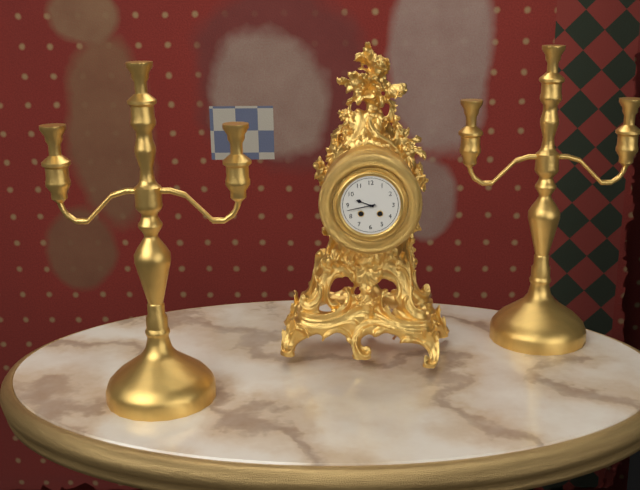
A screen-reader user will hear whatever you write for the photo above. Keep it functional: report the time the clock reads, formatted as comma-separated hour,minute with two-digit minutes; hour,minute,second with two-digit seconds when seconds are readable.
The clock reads 9,43
